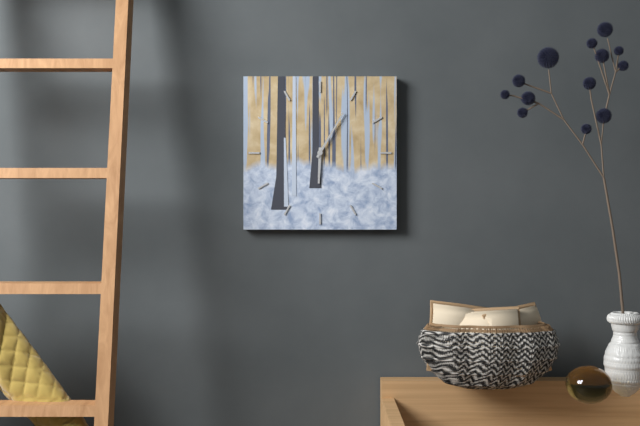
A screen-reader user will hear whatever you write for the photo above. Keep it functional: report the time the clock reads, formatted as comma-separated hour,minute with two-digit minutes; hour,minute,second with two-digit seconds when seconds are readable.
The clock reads 6,05
